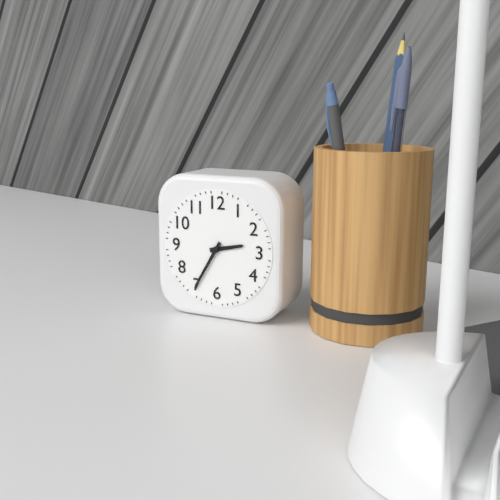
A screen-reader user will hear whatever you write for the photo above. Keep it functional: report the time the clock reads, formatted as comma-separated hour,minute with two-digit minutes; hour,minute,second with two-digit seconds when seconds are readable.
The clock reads 2,35
